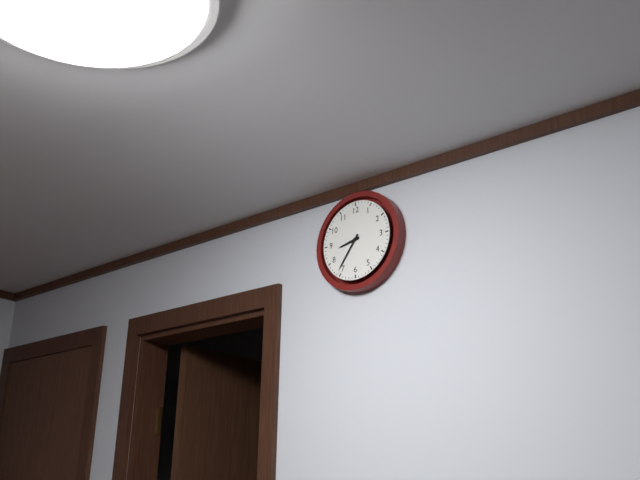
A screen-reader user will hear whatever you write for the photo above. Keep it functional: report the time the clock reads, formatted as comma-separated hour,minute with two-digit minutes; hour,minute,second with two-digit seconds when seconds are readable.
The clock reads 8,36
